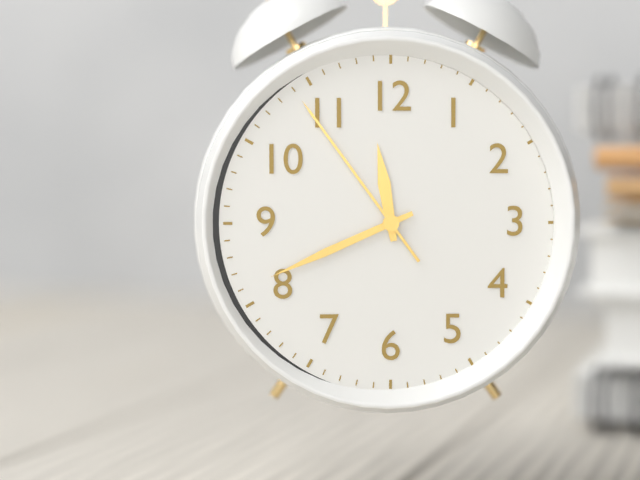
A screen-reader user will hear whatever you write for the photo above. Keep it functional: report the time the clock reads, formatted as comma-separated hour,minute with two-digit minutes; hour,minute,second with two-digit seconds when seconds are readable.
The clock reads 11,41,54
